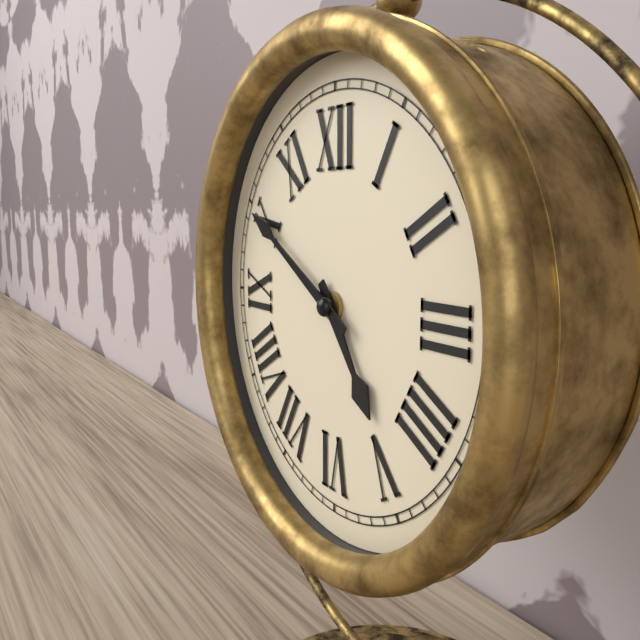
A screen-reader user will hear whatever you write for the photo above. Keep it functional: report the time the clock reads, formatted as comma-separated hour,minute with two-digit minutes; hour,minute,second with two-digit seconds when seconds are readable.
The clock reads 4,50
